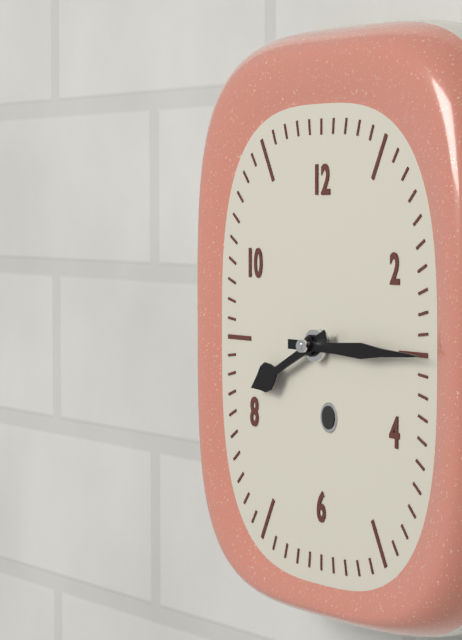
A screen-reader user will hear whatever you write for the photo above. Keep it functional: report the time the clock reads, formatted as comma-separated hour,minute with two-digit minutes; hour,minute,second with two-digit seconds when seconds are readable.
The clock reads 8,15
